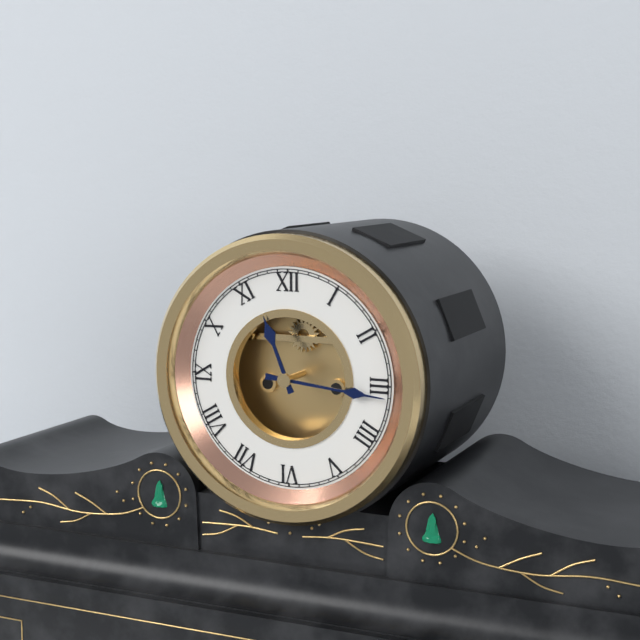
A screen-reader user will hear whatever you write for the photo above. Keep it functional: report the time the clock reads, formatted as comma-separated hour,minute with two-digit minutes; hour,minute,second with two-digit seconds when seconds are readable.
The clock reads 11,16
